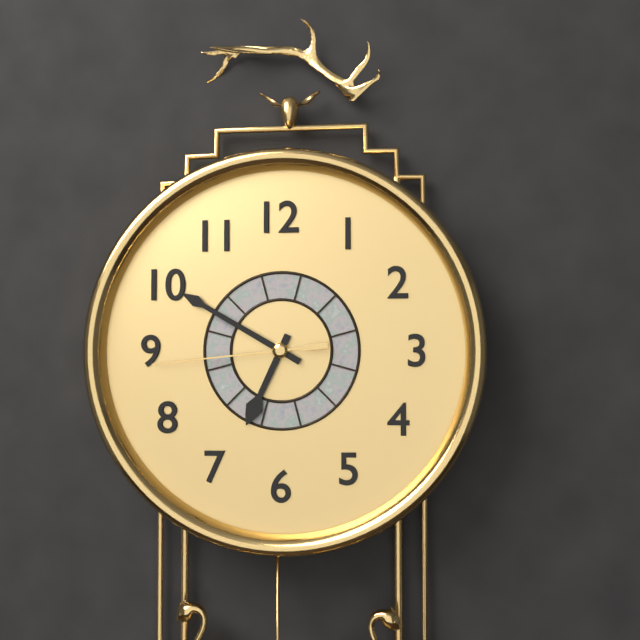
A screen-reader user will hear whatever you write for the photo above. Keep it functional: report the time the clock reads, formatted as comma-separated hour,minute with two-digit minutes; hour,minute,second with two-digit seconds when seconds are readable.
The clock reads 6,50,44
